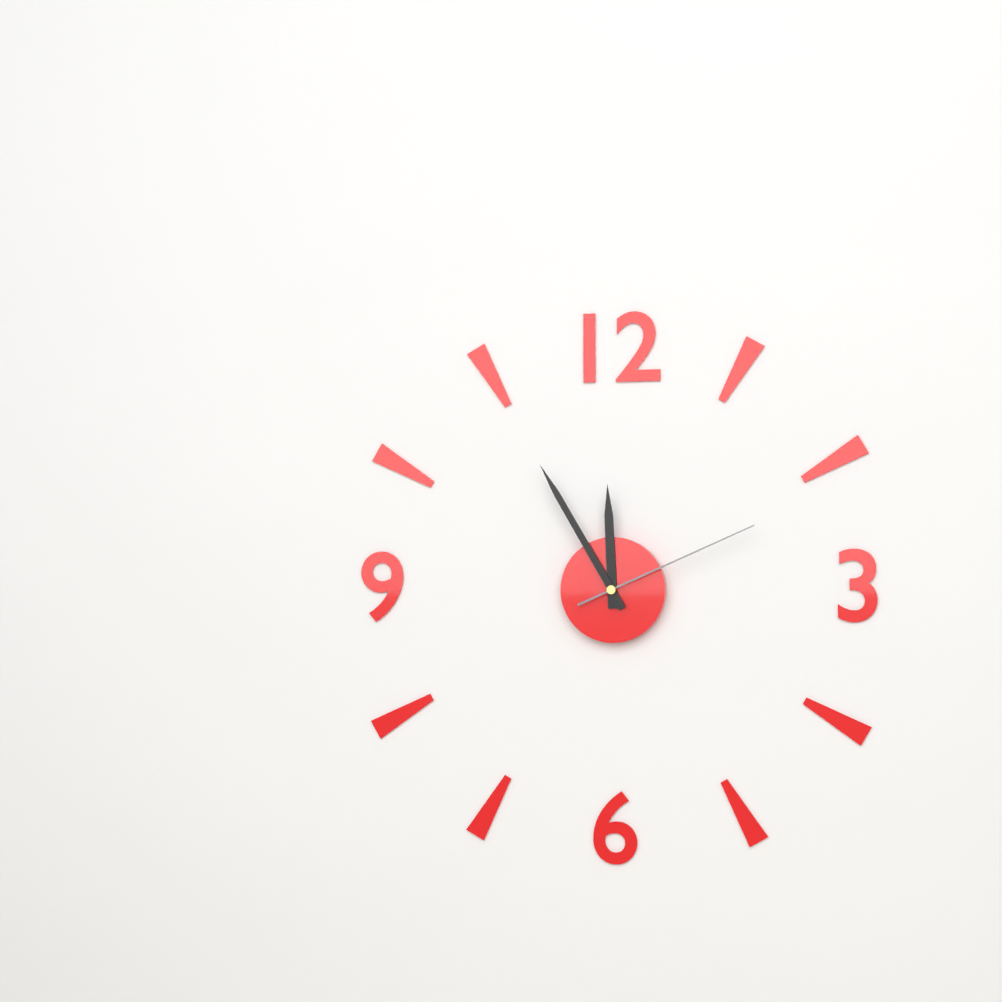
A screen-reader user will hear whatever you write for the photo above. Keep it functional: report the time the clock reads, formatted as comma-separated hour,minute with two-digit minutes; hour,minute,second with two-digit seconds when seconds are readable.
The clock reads 11,55,11
